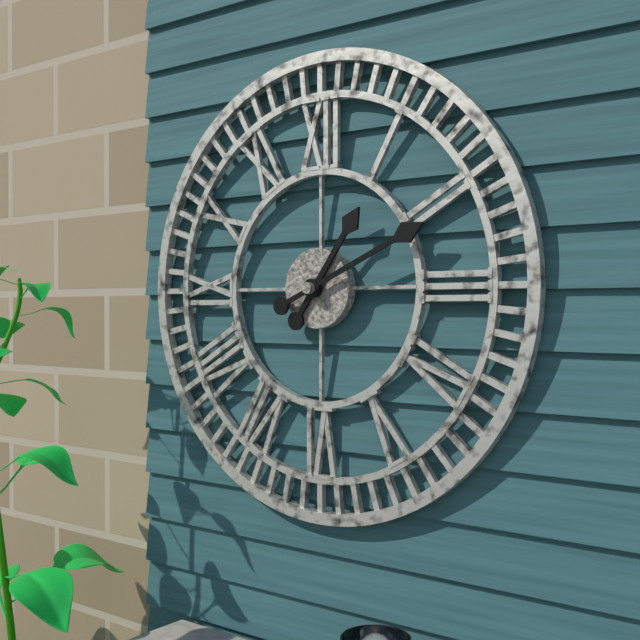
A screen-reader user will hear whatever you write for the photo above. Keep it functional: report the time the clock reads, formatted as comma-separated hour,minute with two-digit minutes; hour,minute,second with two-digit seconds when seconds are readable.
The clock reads 1,11
